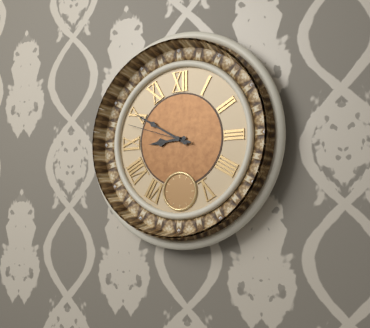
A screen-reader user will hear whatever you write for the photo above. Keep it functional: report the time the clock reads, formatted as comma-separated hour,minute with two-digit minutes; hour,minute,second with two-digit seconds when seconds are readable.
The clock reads 8,50,48
